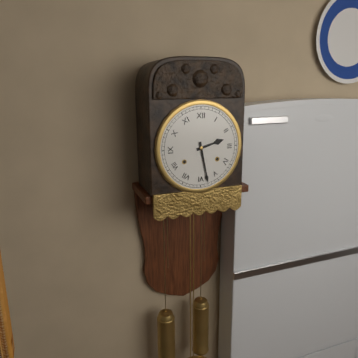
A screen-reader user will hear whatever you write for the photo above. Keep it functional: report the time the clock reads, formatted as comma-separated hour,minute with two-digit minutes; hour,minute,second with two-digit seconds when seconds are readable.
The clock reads 2,28
